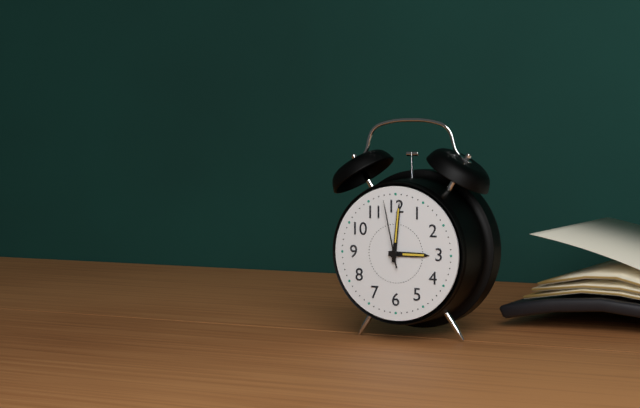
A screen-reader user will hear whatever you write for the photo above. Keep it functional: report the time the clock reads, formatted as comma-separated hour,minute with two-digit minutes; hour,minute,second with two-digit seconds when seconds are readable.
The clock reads 3,01,58
